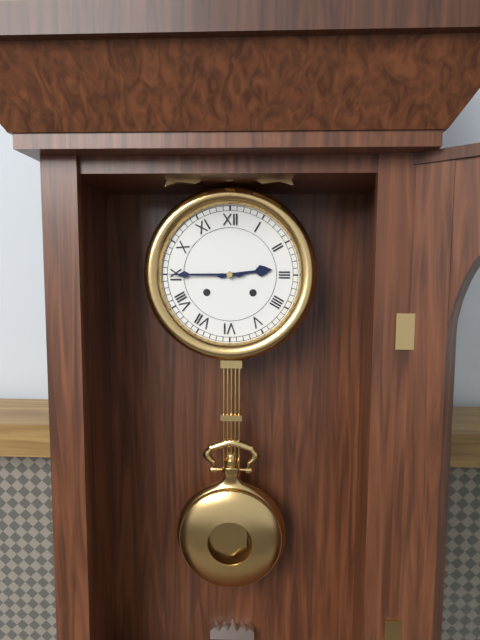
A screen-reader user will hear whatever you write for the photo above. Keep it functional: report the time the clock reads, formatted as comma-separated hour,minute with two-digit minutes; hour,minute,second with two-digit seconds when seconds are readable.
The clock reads 2,45
